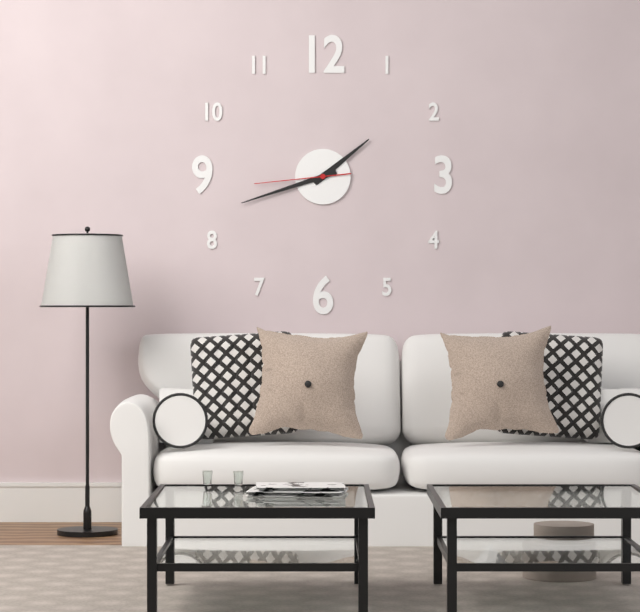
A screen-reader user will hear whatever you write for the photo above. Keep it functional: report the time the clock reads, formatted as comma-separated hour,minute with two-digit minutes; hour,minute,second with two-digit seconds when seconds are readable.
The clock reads 1,42,44
